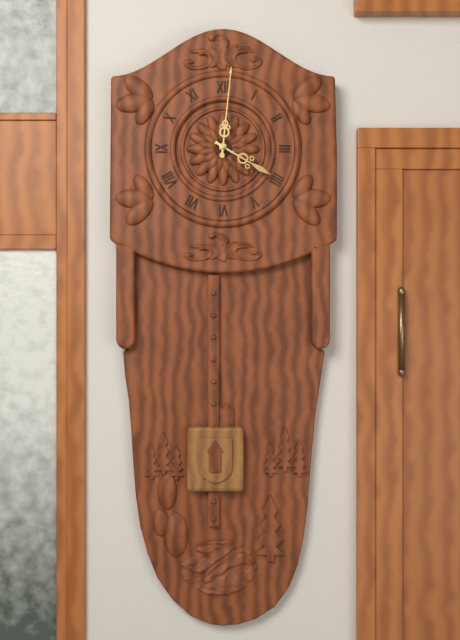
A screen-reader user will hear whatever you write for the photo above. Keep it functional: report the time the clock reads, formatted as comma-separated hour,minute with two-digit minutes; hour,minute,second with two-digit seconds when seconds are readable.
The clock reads 4,01
